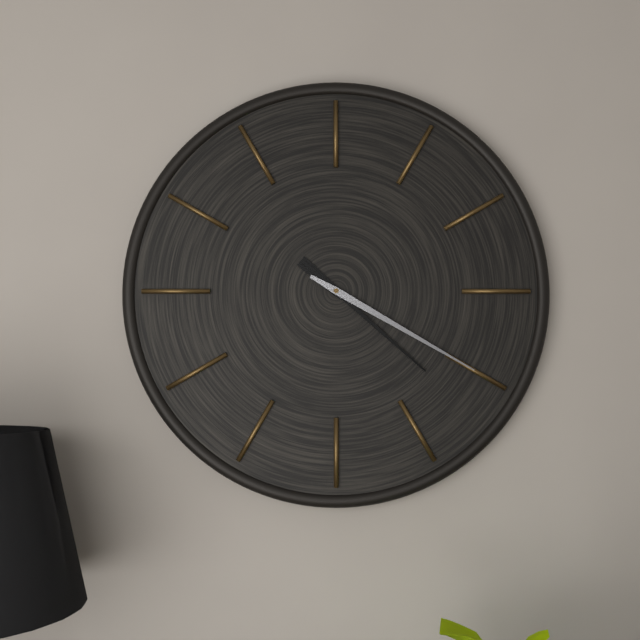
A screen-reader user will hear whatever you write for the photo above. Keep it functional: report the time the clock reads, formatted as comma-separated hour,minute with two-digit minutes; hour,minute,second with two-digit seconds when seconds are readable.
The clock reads 10,22,20
